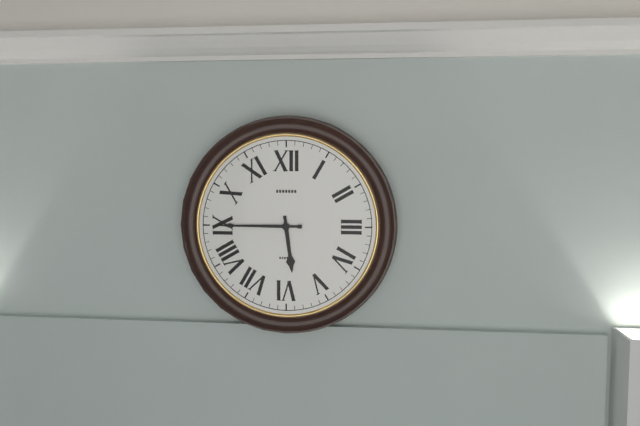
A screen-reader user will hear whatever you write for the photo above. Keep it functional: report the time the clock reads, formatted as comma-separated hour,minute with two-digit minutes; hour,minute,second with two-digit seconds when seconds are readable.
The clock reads 5,45
